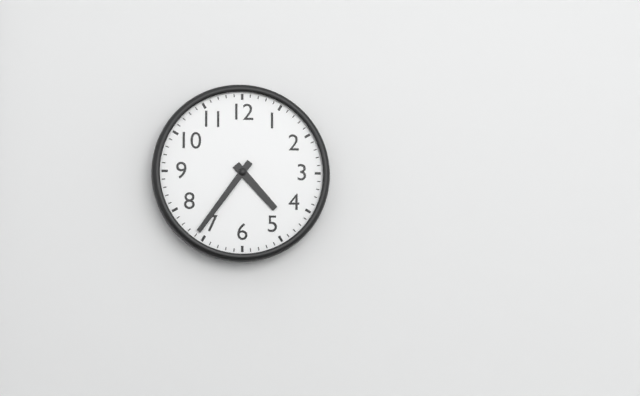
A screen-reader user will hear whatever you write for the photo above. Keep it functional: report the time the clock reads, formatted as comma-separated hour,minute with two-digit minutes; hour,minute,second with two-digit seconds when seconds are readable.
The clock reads 4,36
